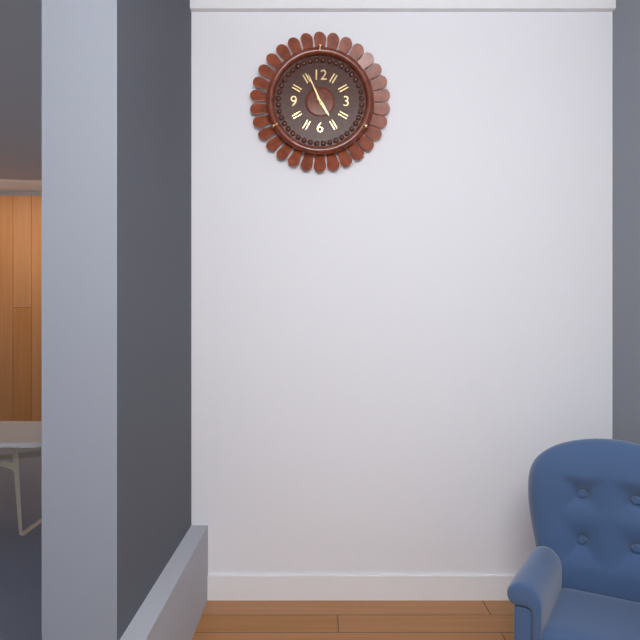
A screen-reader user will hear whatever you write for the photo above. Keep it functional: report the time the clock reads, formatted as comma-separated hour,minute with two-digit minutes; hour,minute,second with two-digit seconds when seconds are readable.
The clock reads 4,56
